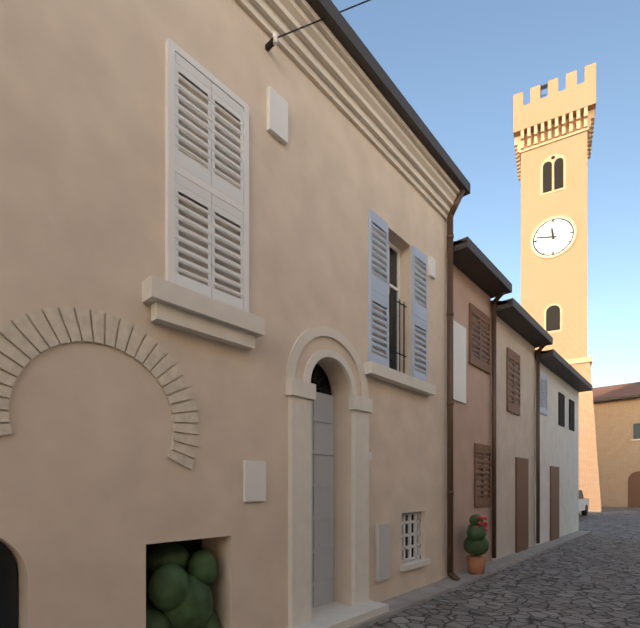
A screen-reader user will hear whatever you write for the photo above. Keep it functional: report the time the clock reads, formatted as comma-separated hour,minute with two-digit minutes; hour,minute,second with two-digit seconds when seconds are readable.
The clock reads 11,47
